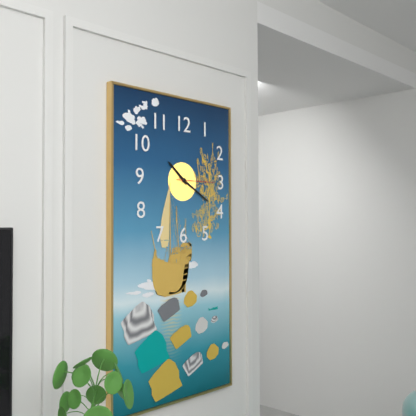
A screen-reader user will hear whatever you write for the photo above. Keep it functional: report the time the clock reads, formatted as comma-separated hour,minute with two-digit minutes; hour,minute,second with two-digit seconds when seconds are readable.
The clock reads 10,20
